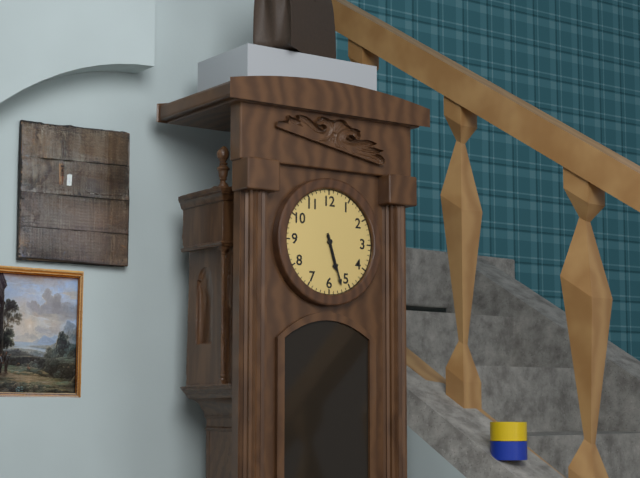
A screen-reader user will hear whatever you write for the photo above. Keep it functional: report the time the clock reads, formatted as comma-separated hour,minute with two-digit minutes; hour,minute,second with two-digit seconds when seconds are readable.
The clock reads 5,27
